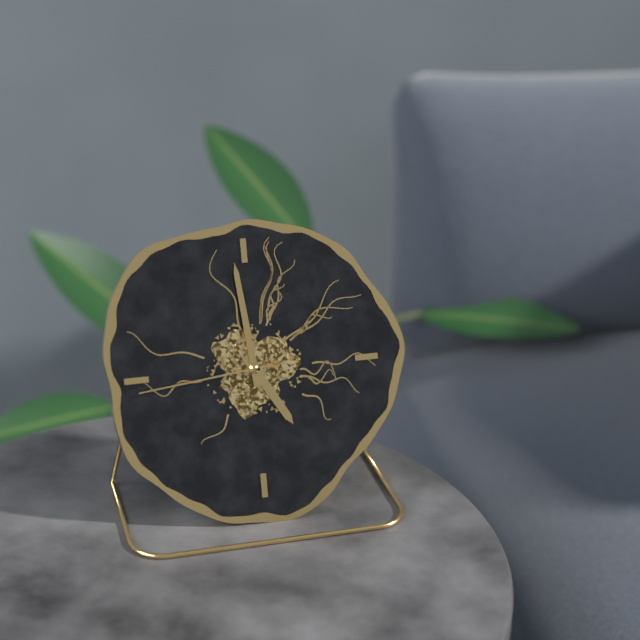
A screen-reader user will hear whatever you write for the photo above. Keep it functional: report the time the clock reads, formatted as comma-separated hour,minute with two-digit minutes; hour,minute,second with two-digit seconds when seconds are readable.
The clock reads 4,59,44
